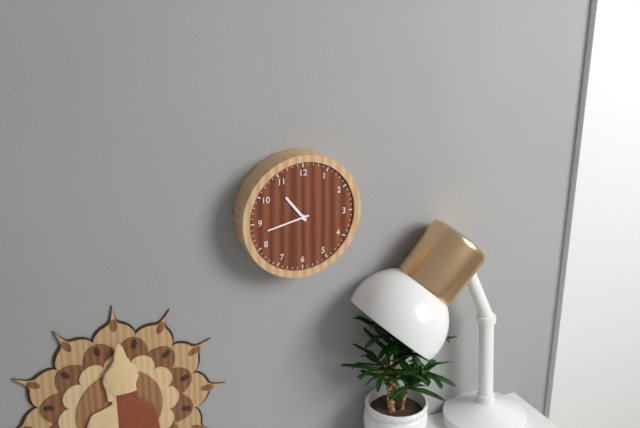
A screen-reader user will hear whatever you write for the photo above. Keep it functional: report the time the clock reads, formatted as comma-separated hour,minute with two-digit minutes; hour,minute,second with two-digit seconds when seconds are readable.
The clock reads 10,43
